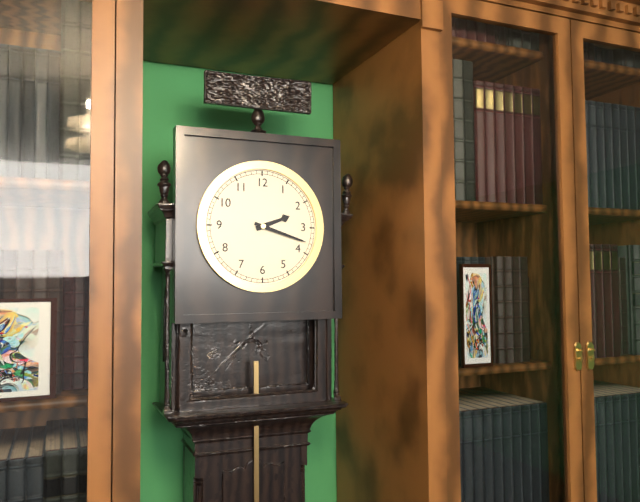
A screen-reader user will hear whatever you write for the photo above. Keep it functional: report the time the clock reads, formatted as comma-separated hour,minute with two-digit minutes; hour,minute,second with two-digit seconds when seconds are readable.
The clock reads 2,18
